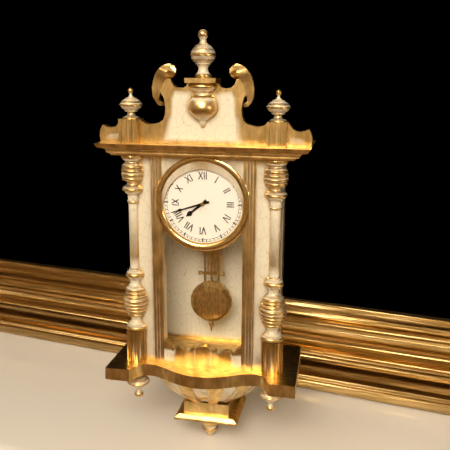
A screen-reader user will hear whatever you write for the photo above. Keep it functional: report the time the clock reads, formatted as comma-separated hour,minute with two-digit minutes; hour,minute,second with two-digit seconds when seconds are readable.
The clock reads 7,42
